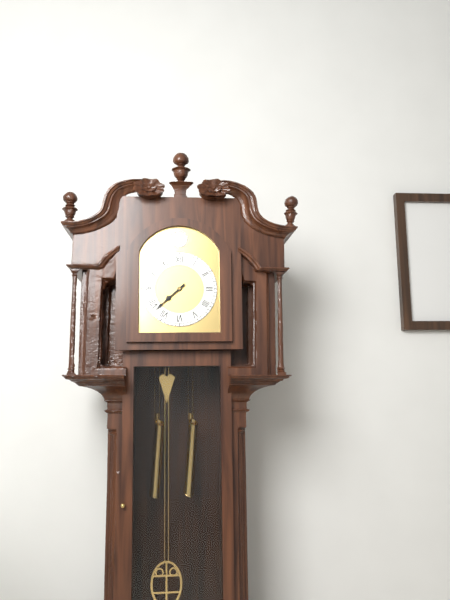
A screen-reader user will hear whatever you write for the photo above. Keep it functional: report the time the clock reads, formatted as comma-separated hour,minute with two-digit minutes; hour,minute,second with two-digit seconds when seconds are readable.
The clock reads 7,38
